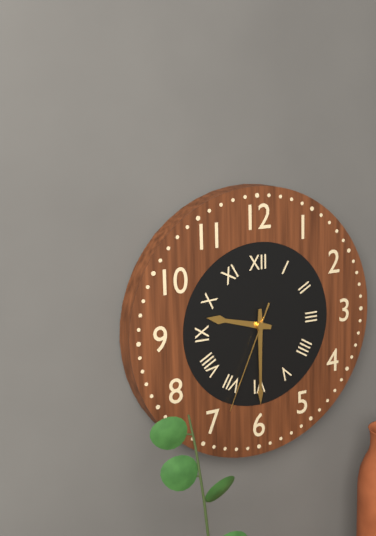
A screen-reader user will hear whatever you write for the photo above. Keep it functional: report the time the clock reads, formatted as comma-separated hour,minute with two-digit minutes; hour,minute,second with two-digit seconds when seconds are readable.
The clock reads 9,30,34
